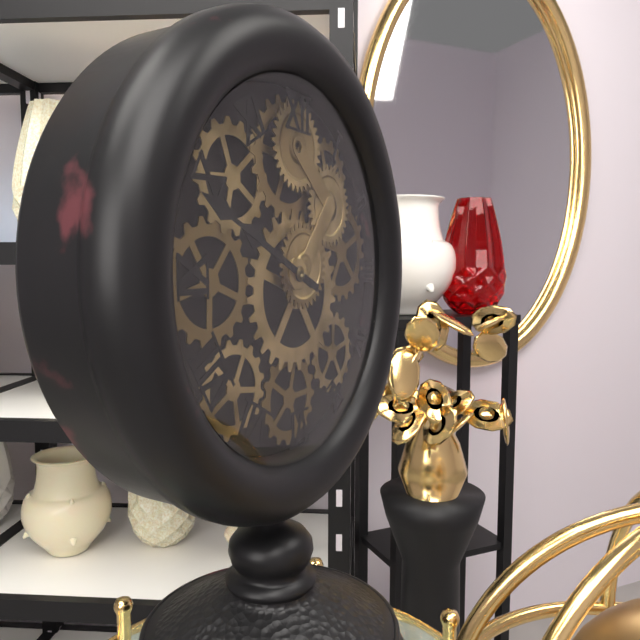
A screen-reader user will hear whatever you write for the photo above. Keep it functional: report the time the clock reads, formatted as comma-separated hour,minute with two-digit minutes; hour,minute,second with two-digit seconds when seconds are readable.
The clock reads 9,49
